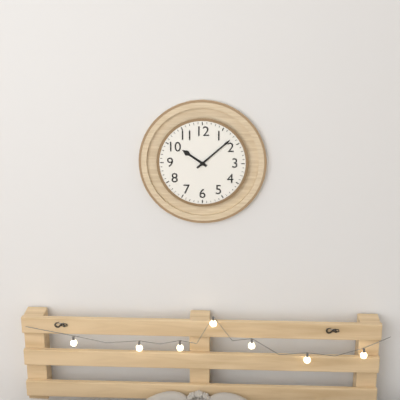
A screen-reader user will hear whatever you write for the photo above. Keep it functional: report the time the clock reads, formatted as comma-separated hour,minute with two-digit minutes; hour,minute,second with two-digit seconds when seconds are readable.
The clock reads 10,08
